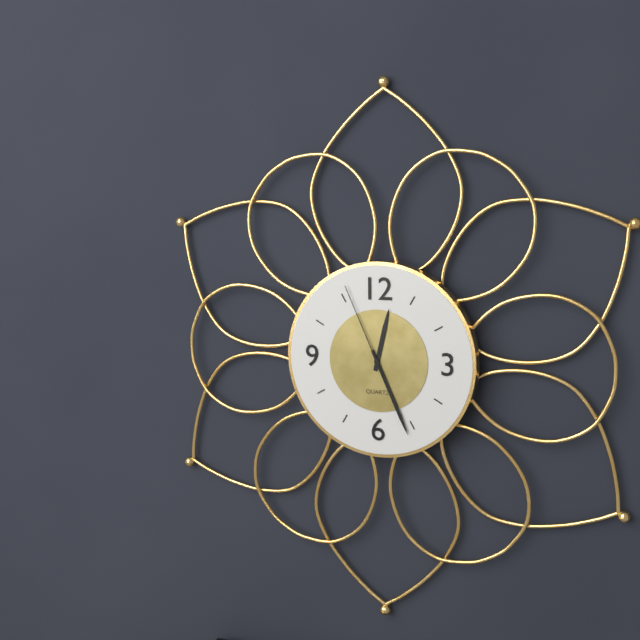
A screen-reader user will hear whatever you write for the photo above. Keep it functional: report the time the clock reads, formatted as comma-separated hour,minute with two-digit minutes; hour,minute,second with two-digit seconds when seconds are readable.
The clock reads 12,26,56
